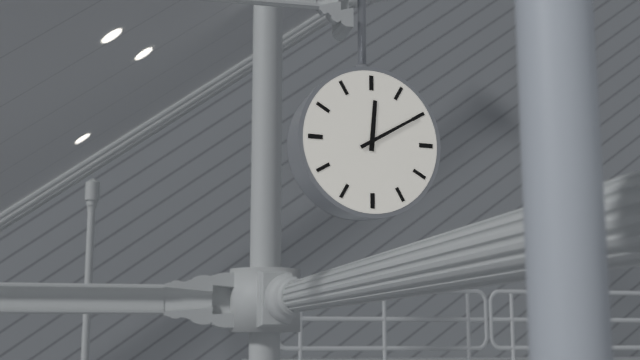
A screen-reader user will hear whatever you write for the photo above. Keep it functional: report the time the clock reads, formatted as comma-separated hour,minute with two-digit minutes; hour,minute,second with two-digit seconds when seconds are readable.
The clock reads 12,10
